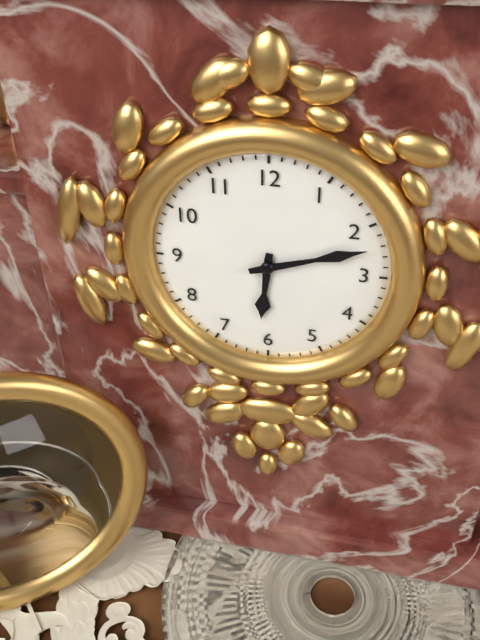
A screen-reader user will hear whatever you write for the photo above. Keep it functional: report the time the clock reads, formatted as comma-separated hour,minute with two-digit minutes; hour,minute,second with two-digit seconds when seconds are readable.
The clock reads 6,12
